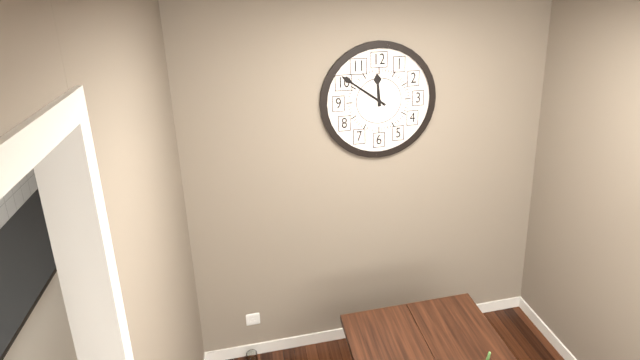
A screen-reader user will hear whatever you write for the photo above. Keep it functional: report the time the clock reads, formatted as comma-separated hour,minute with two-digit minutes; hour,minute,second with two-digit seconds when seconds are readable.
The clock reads 11,51
